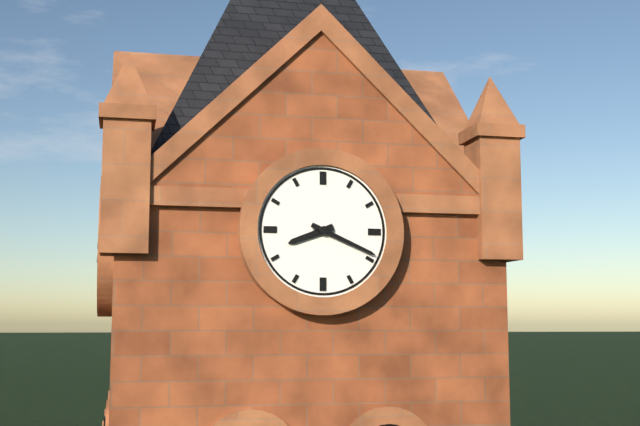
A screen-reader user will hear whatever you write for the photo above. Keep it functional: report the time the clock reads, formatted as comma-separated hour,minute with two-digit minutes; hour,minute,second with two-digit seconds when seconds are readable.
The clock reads 8,19
